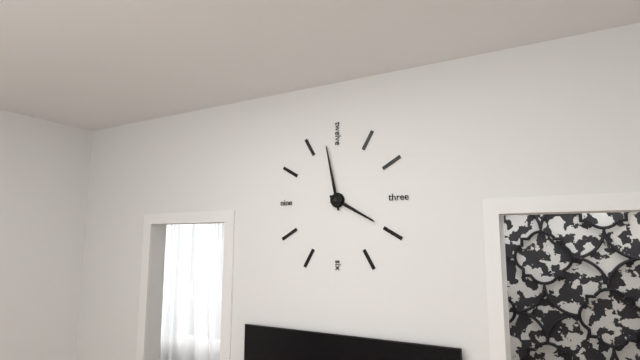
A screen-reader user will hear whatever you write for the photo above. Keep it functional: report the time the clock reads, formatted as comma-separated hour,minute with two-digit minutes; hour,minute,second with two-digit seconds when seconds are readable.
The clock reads 3,58
